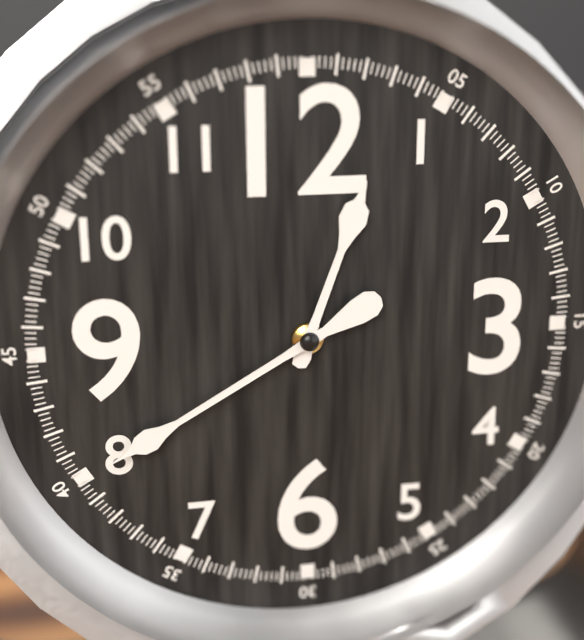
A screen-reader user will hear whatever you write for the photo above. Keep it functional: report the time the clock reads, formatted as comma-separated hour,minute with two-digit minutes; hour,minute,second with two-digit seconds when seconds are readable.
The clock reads 12,40
